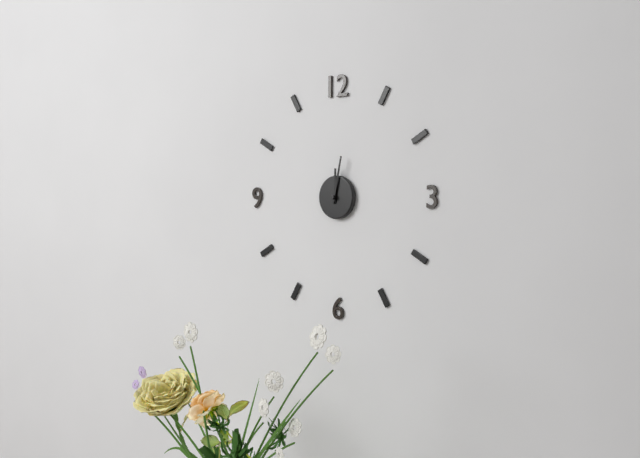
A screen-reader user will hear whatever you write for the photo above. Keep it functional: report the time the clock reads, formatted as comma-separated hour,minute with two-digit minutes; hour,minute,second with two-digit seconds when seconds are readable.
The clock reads 12,02
